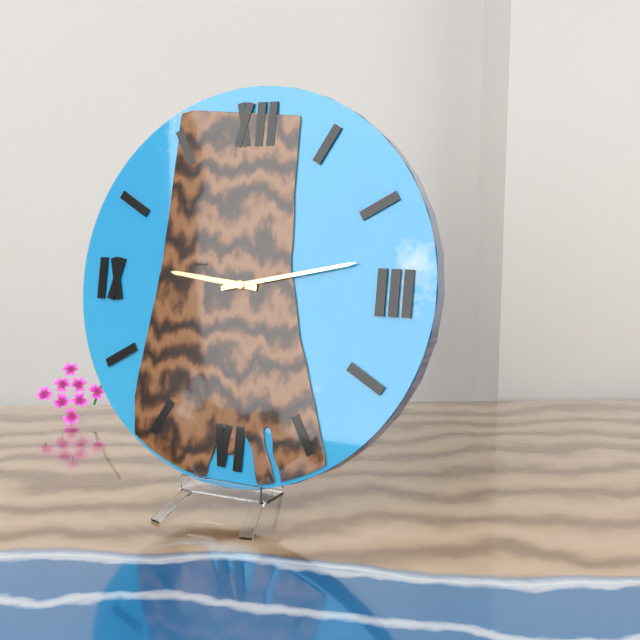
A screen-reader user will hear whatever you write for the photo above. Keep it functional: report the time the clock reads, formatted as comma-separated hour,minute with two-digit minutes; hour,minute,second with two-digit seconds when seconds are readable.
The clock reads 9,13
